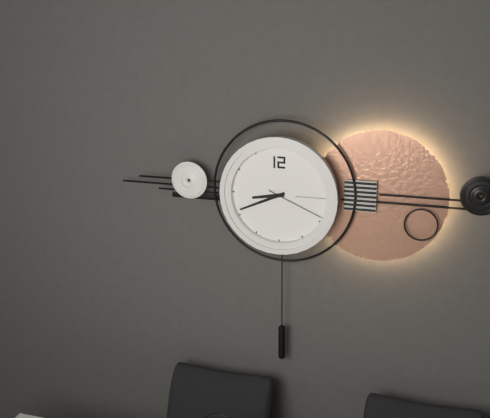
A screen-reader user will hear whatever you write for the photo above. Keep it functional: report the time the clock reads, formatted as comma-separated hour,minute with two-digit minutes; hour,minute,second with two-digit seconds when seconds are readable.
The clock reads 8,41,19
